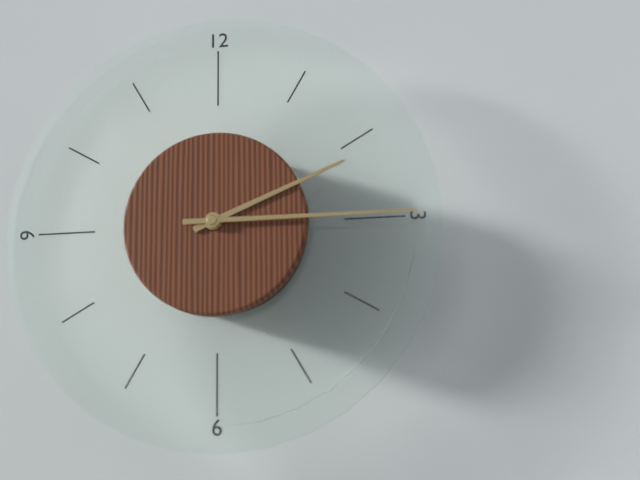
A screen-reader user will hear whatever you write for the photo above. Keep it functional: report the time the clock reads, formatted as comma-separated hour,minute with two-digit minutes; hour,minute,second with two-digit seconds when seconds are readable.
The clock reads 2,15
